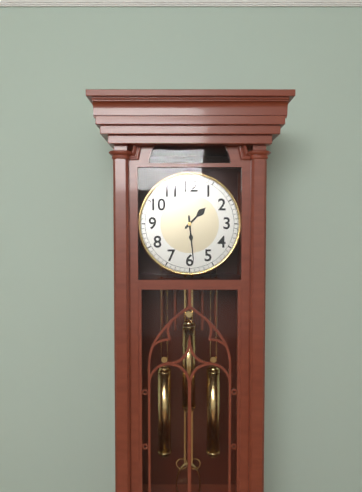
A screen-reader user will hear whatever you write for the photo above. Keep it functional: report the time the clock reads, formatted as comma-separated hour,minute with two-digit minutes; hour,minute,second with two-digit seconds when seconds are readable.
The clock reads 1,29
